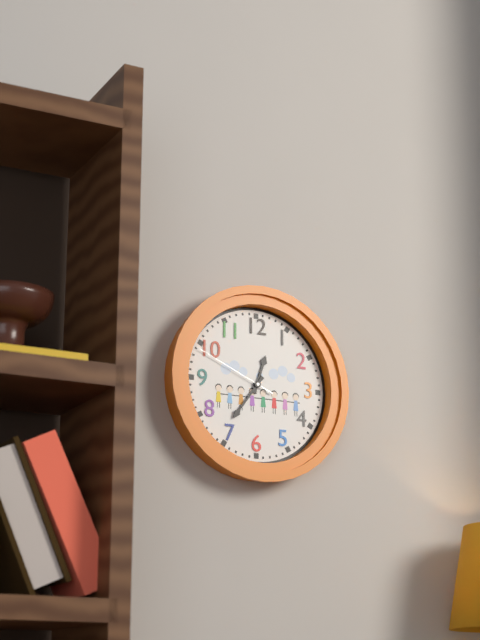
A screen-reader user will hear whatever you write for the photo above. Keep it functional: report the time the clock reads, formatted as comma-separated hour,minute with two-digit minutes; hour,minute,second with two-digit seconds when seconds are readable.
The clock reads 12,36,49
